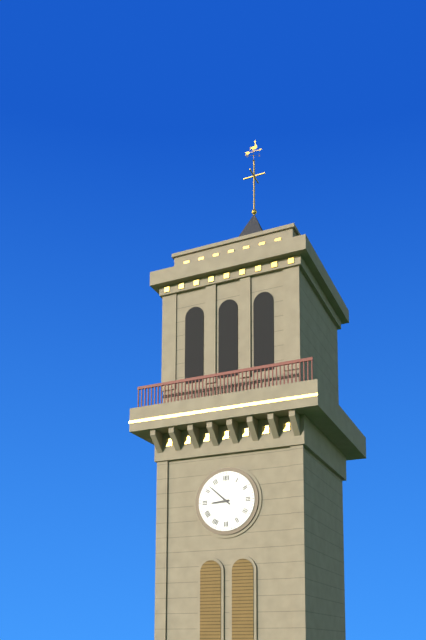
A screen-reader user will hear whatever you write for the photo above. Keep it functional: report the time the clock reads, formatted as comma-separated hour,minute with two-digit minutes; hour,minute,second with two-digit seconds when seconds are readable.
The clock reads 8,52
